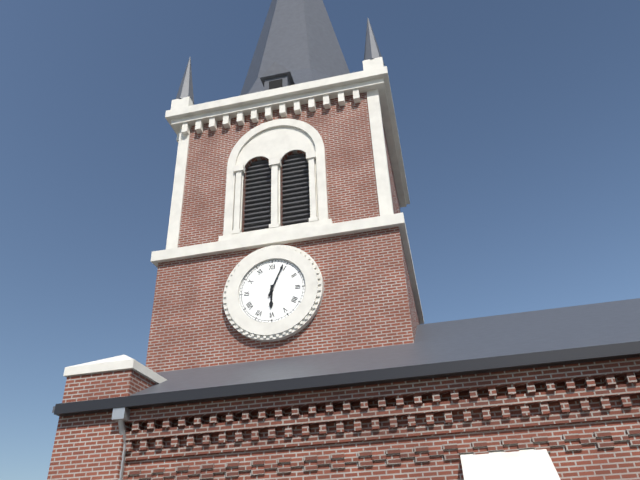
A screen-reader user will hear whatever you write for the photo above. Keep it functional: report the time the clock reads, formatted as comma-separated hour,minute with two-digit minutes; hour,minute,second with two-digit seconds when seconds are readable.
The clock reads 6,04
